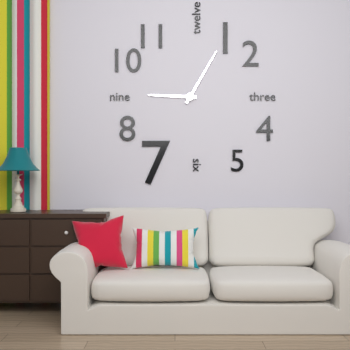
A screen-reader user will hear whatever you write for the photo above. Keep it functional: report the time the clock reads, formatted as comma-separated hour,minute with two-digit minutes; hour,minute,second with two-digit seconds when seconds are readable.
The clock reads 9,05
